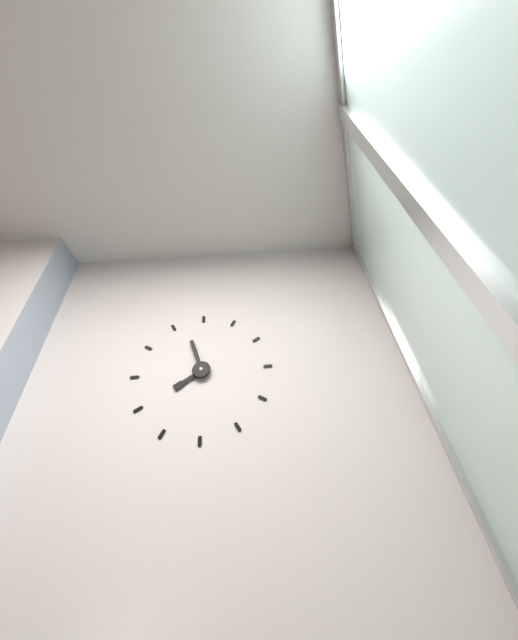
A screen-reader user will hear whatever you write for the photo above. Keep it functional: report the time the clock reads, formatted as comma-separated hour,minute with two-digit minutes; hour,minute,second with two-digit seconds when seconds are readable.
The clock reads 7,57
